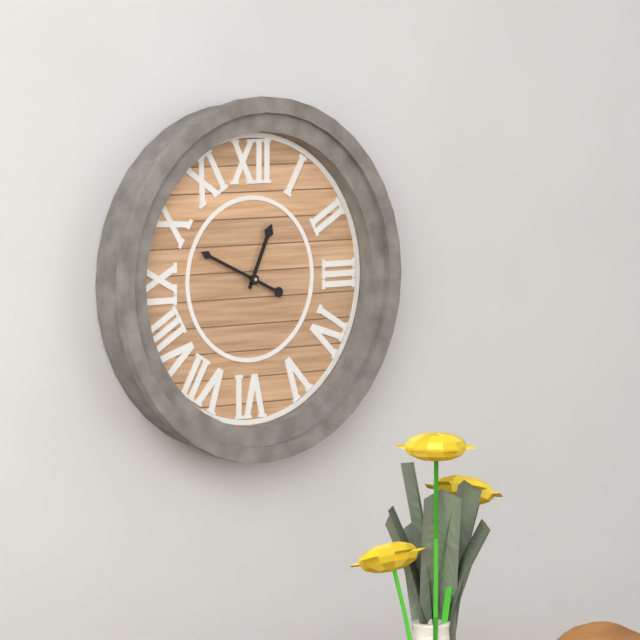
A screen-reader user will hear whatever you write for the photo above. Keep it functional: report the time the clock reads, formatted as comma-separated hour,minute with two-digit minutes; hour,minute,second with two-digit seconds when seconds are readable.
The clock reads 12,49
